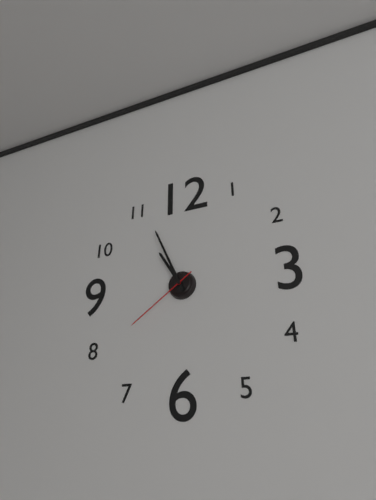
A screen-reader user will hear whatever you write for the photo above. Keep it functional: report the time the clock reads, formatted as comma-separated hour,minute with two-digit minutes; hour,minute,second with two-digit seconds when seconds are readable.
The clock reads 10,56,39
